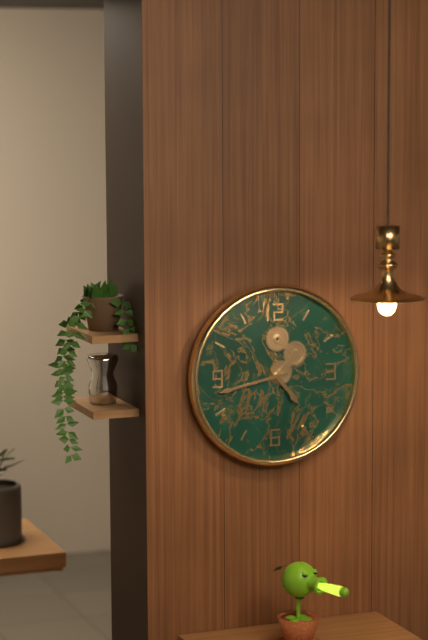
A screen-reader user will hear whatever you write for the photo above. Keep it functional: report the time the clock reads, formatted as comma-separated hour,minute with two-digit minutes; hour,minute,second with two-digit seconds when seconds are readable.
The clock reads 4,43
